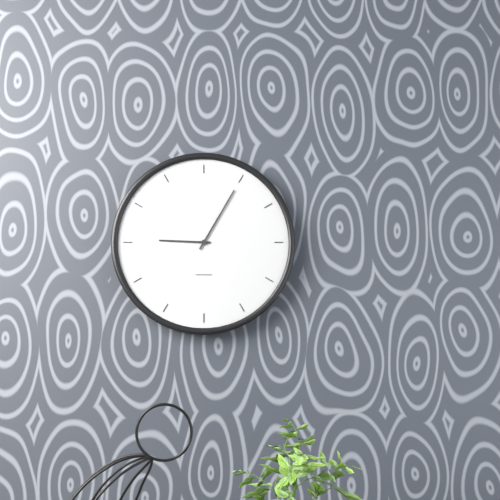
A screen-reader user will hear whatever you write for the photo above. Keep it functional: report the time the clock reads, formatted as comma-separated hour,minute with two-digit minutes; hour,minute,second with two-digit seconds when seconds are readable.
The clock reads 9,05
